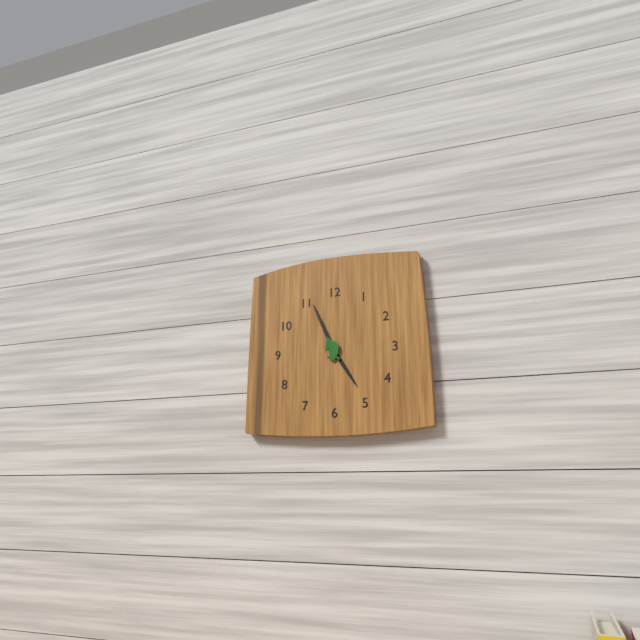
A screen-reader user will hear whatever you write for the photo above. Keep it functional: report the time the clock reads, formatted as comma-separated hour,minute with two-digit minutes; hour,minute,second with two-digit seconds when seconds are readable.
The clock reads 4,56
